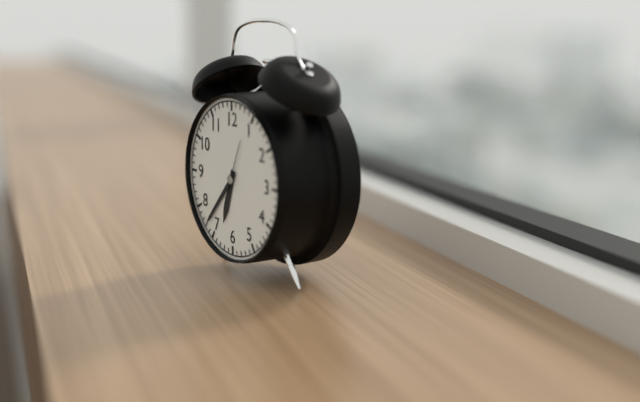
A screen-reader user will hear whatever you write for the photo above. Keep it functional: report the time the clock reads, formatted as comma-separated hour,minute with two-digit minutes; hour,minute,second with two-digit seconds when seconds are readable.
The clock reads 6,37,04
